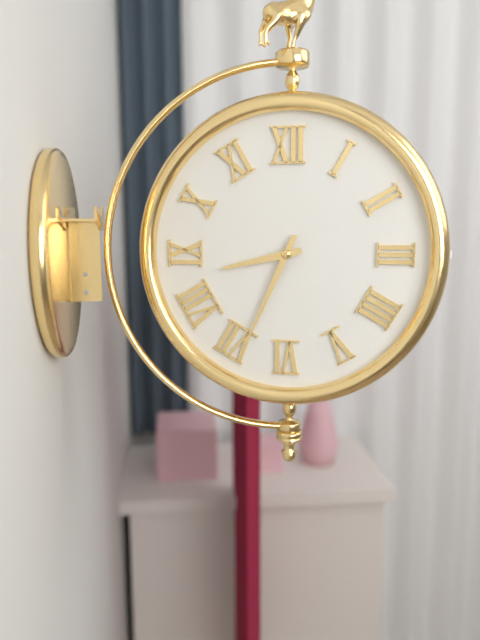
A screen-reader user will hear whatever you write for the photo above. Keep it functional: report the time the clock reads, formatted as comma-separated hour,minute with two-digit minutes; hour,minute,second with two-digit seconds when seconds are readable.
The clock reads 8,34
